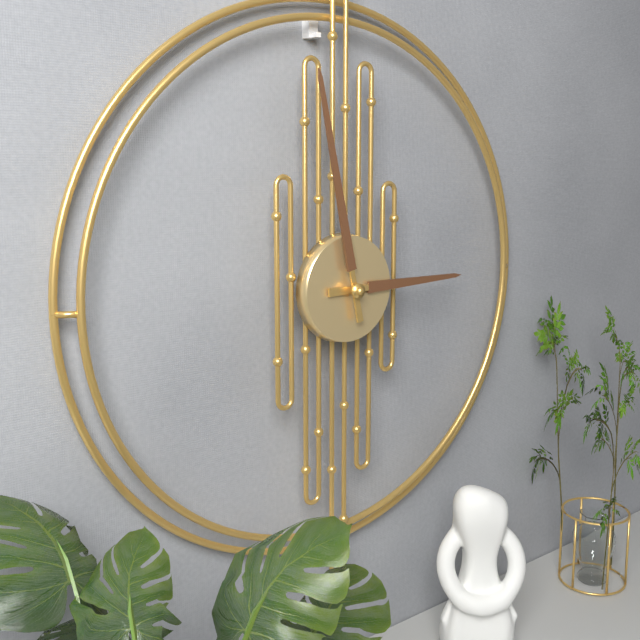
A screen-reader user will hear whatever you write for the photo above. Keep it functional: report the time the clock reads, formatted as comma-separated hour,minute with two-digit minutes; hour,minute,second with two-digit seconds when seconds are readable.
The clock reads 2,58
